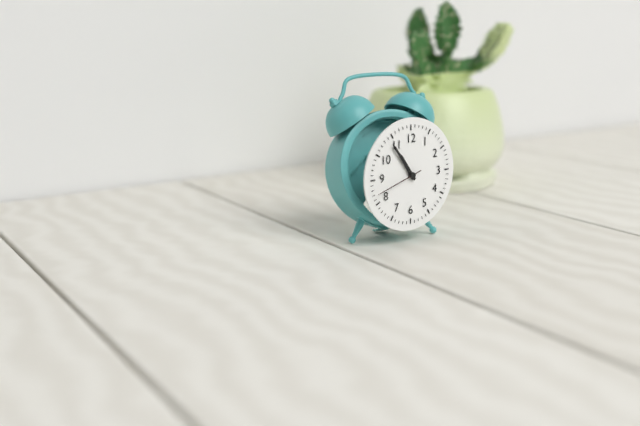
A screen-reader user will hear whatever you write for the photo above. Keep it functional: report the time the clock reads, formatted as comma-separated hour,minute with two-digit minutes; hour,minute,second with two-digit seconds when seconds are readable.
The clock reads 10,54
